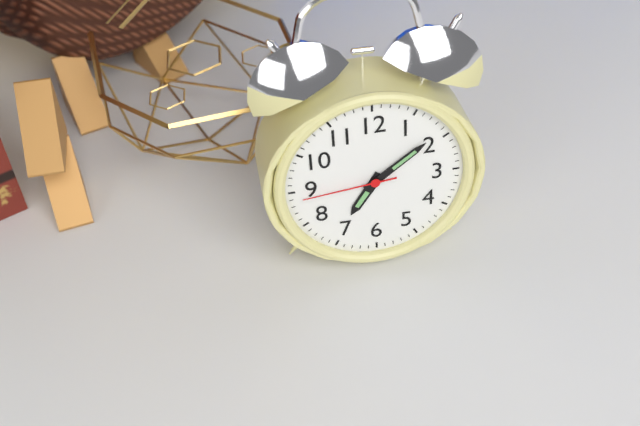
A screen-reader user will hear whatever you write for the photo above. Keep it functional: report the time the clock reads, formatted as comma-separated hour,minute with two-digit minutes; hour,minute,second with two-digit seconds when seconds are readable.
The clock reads 7,09,44
